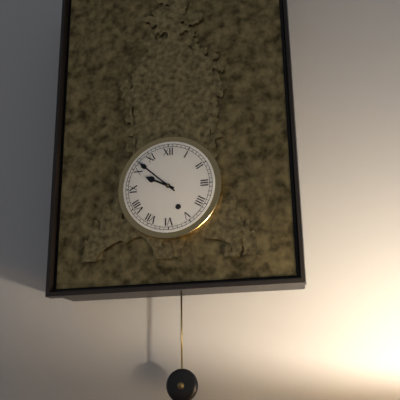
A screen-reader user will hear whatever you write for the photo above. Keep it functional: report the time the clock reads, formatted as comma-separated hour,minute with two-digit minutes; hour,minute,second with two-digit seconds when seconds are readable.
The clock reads 9,52
